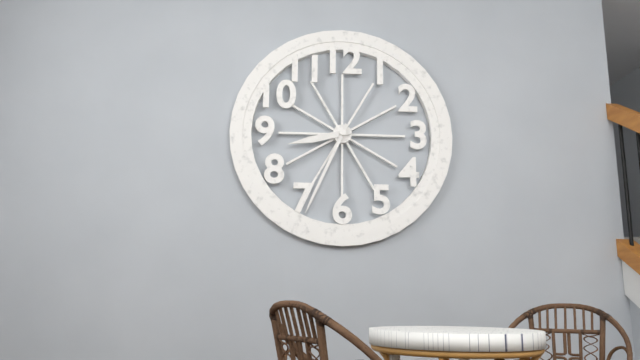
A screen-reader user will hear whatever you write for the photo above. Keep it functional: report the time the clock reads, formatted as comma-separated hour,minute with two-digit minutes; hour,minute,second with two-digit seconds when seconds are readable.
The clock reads 8,34
